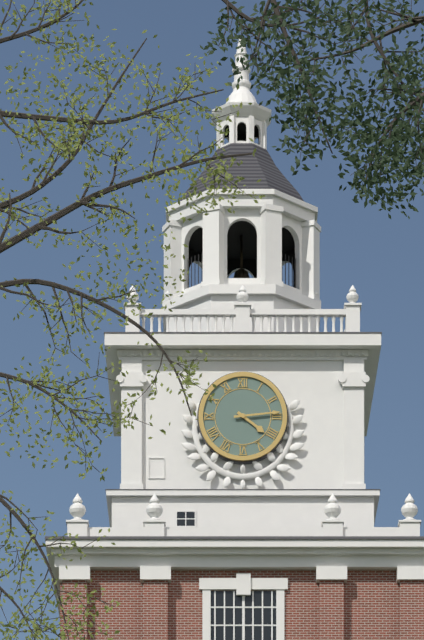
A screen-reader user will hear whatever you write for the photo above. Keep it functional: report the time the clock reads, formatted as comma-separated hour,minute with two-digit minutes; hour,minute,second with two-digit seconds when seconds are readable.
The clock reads 4,14
